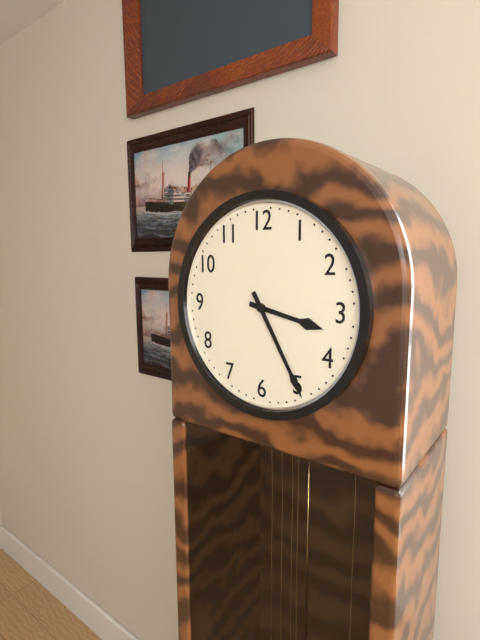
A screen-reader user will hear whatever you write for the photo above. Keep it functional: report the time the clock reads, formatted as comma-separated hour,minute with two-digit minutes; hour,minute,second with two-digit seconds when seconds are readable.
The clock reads 3,25
